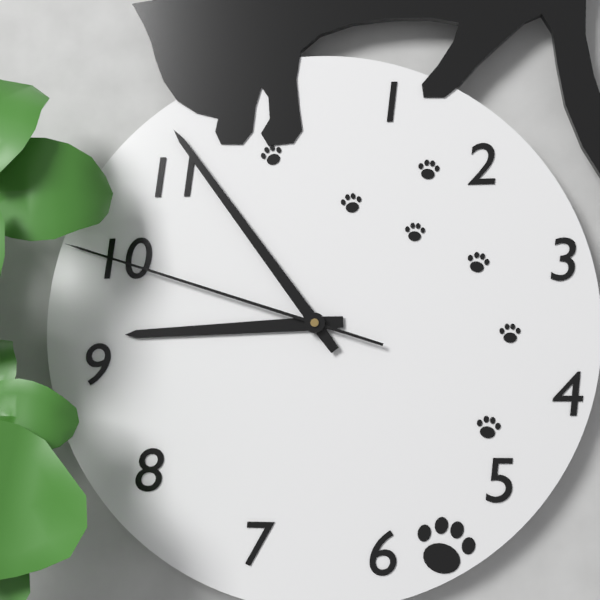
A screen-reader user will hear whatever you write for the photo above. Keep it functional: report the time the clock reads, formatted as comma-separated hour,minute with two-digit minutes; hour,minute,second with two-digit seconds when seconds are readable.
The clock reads 8,54,48
